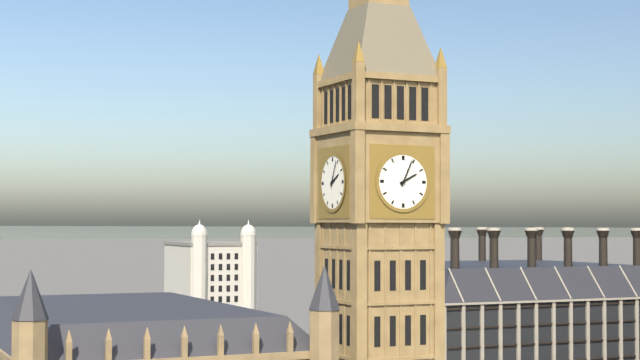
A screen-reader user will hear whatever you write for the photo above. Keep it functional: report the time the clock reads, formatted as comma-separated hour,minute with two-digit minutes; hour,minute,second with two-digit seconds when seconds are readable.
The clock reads 2,04
